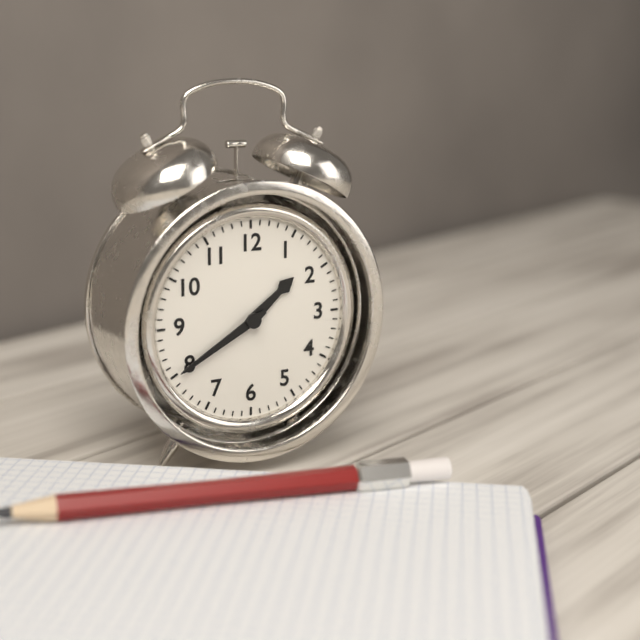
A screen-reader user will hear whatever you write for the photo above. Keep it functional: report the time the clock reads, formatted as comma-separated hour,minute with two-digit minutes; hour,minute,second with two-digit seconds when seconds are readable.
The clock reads 1,40
